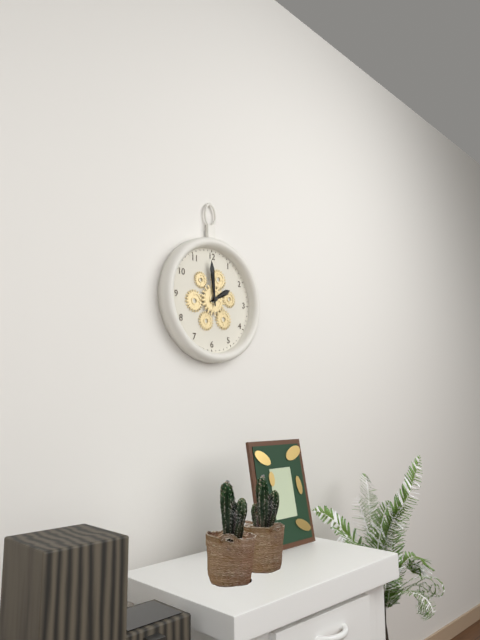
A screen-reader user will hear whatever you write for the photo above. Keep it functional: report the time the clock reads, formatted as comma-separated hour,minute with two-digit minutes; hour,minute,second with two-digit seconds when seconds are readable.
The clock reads 1,59
